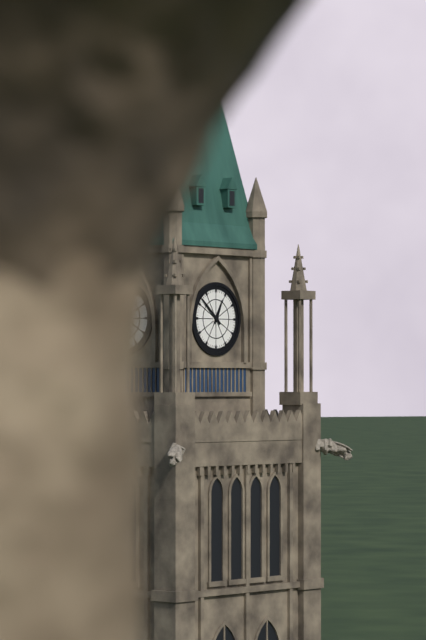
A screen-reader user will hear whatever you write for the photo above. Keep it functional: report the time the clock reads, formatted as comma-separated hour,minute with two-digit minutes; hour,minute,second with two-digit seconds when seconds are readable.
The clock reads 12,52
